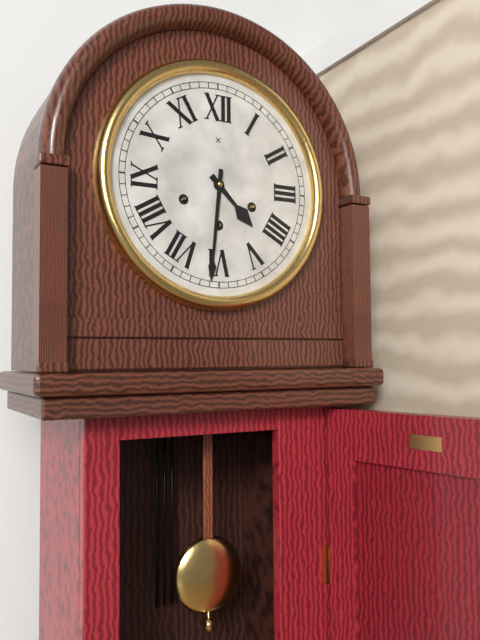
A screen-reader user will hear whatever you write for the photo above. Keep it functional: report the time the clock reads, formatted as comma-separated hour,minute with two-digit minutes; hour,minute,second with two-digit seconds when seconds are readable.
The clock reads 4,31
